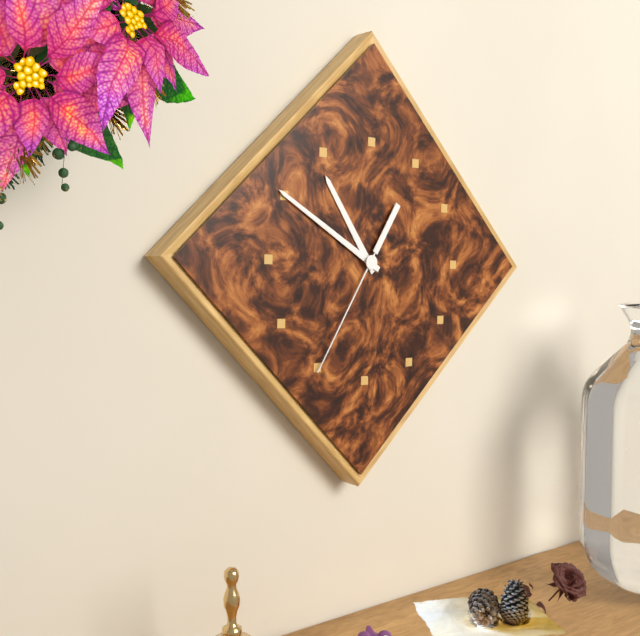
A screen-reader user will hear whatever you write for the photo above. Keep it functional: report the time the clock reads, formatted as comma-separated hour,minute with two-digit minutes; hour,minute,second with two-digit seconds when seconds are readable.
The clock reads 10,50,35
